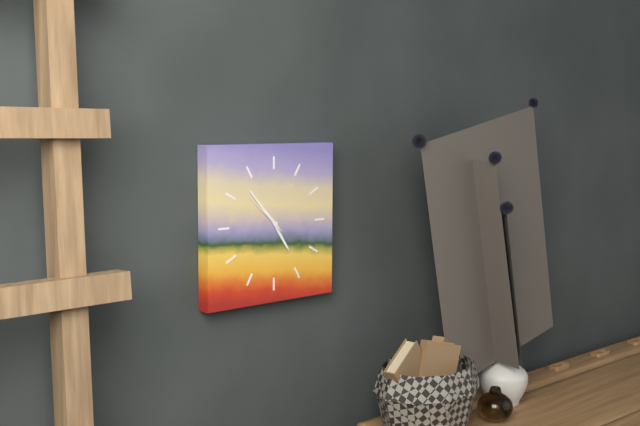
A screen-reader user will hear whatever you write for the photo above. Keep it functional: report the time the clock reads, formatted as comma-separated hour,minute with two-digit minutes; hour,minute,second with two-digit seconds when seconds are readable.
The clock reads 4,53
